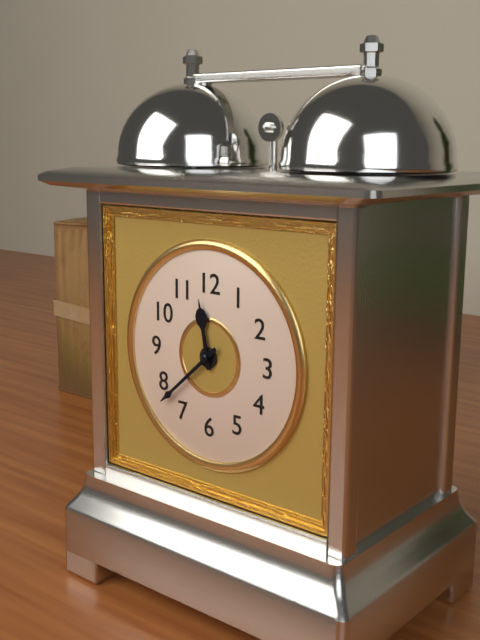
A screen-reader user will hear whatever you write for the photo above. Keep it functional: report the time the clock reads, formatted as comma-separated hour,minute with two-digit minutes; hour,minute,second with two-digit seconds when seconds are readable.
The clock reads 11,38
